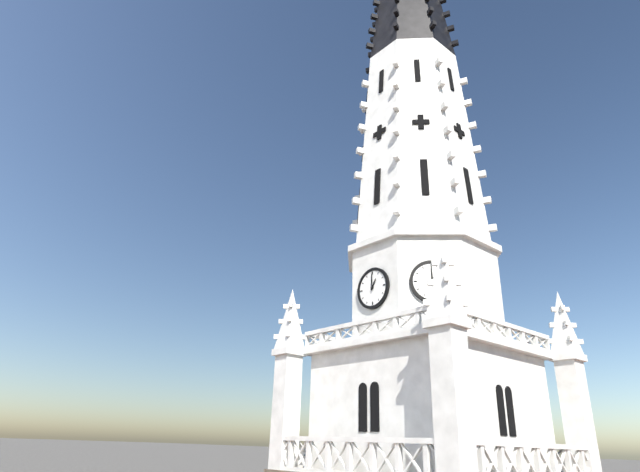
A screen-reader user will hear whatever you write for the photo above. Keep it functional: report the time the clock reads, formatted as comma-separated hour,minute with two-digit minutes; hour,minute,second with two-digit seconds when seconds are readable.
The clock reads 1,00
